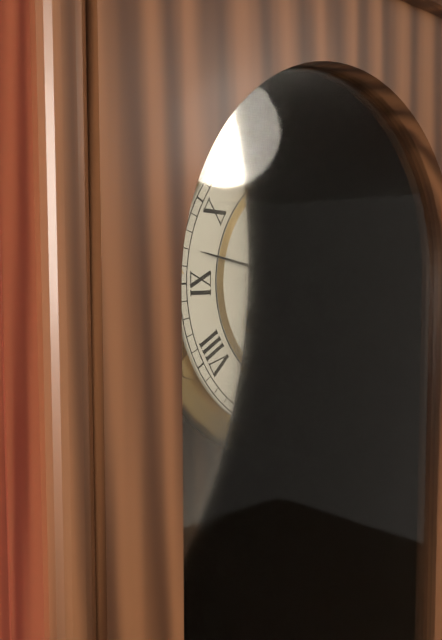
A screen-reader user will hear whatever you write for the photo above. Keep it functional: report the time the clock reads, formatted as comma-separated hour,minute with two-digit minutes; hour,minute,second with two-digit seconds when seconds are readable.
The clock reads 1,47
